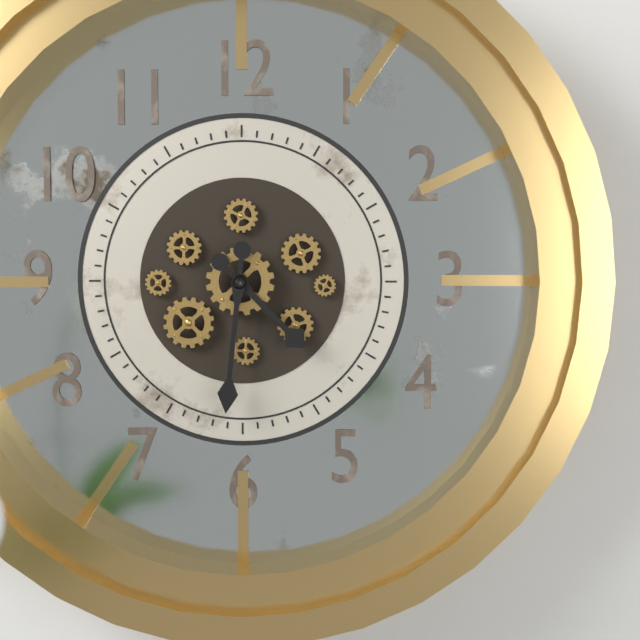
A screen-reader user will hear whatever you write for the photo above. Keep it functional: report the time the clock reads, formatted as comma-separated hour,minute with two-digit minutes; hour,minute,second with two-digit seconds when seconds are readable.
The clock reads 4,31
